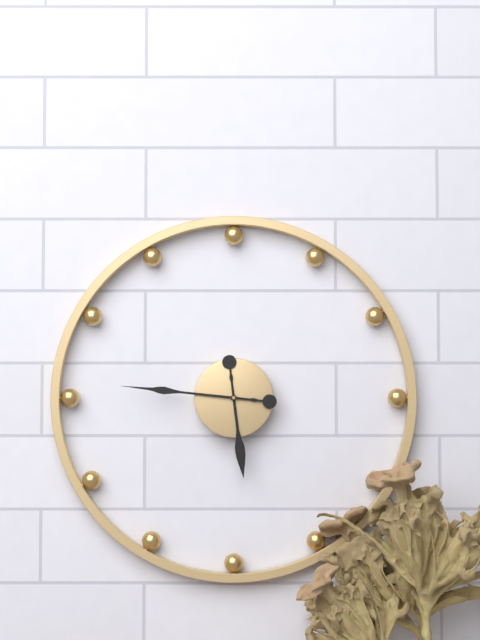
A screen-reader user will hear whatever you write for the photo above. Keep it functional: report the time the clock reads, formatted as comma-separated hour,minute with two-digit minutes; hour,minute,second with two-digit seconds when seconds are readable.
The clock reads 5,46
